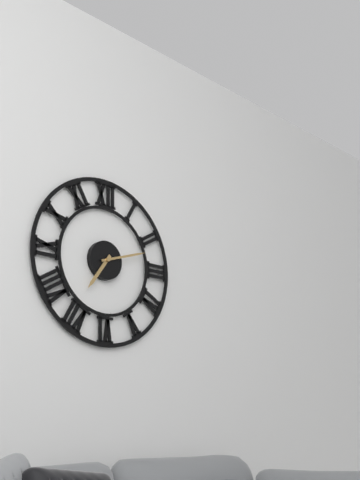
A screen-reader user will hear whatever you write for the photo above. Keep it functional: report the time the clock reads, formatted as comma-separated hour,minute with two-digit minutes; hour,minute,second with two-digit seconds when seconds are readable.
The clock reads 7,12
